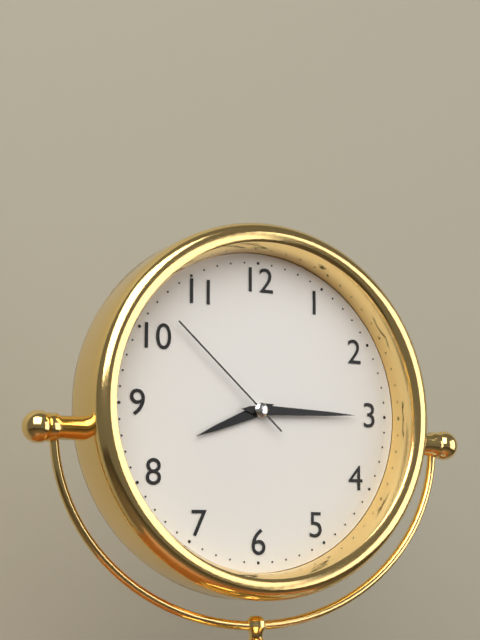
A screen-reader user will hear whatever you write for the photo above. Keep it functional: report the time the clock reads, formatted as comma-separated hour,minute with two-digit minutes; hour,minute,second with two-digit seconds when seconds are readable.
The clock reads 8,15,52
